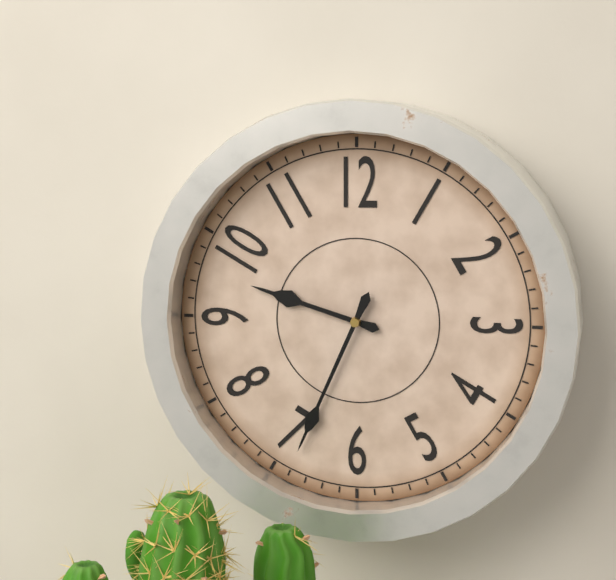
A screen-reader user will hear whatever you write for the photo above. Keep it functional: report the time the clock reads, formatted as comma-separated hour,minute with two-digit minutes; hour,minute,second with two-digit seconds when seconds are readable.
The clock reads 9,34
